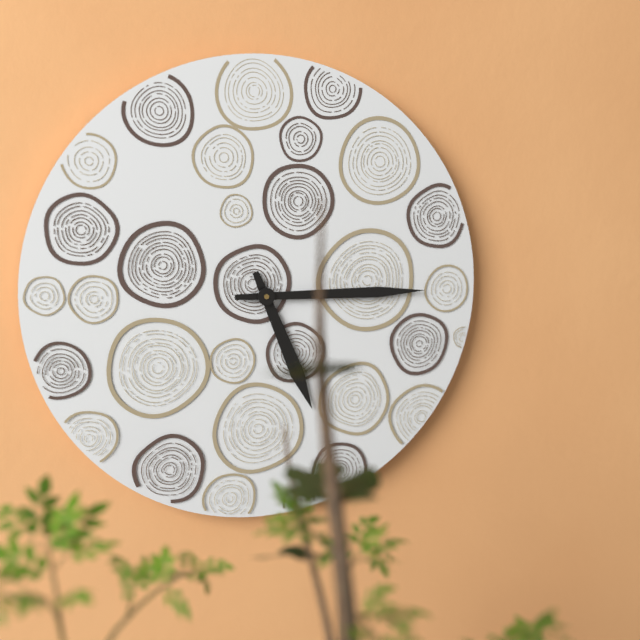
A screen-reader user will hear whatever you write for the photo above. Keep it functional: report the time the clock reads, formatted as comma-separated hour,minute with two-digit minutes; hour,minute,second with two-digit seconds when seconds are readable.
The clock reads 5,15
